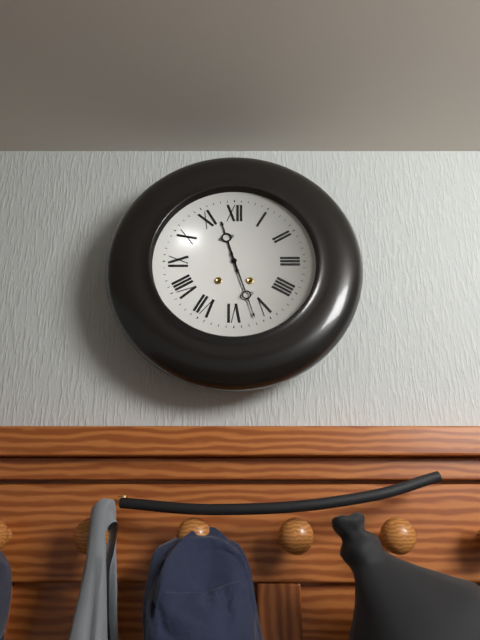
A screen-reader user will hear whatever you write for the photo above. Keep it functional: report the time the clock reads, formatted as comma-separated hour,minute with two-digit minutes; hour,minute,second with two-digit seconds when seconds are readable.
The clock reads 11,27
